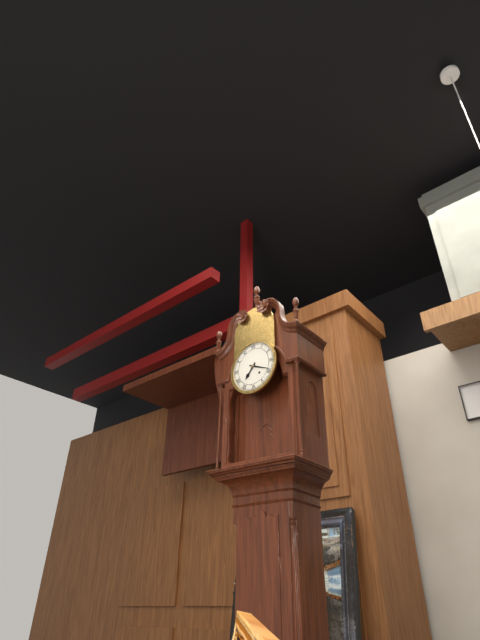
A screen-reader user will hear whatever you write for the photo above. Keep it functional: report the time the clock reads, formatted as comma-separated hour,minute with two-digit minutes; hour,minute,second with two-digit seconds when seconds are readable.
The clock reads 7,19
